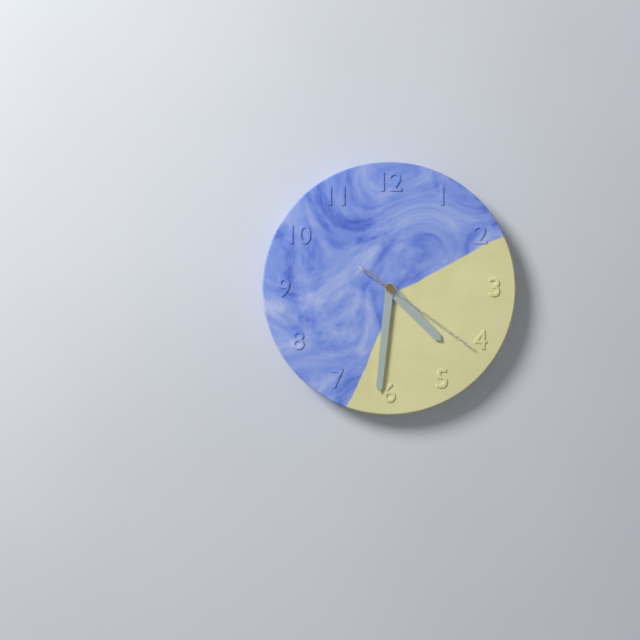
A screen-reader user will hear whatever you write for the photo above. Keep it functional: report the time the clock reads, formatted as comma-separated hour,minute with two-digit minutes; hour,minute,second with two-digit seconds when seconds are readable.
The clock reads 4,31,21
